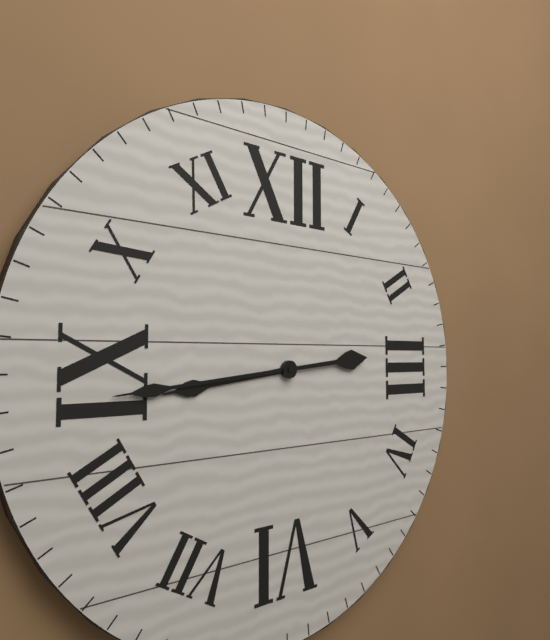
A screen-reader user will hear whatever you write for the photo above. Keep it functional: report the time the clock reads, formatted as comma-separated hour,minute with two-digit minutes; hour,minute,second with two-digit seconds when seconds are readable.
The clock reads 8,44
